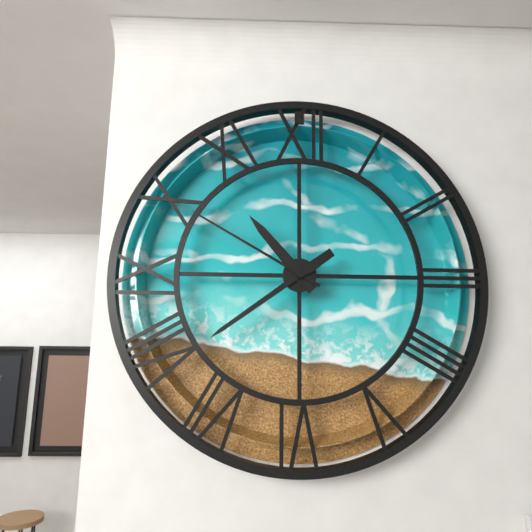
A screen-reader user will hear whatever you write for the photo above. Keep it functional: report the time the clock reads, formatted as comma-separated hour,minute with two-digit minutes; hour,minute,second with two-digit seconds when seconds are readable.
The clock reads 10,39,50
